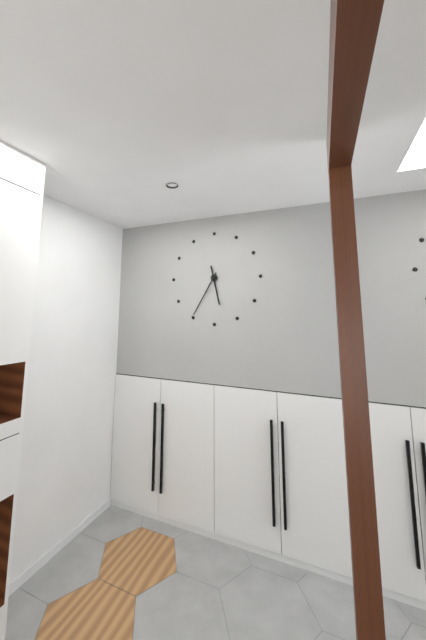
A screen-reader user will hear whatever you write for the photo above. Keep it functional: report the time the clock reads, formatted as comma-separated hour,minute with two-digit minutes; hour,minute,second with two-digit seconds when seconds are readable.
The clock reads 5,35
